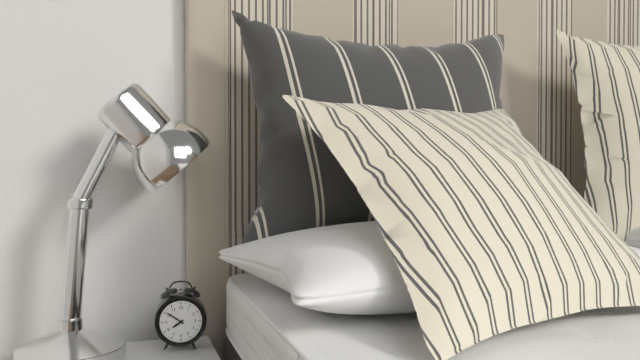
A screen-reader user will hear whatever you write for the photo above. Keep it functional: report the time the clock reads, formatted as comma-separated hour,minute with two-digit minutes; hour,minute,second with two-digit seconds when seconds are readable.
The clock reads 7,51
